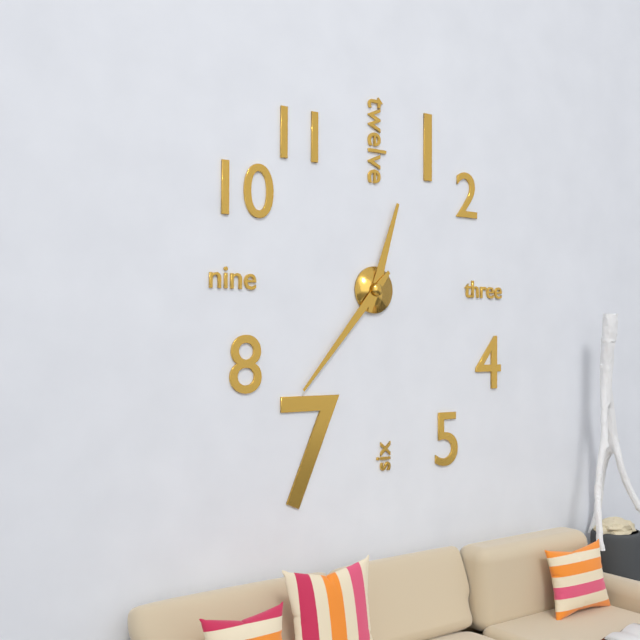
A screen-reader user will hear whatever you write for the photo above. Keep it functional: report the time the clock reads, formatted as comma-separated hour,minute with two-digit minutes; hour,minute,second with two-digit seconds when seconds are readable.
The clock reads 12,37
